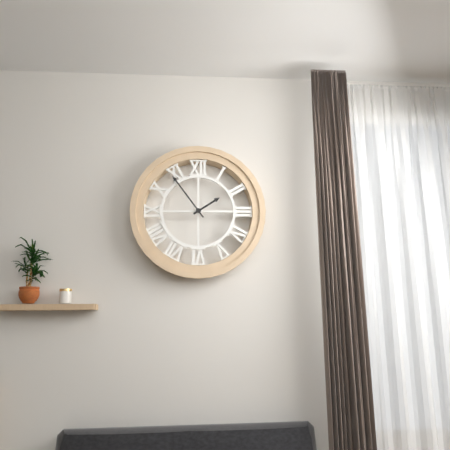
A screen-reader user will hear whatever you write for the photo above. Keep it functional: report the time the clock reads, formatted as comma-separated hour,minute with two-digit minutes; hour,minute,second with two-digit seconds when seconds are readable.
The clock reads 1,54
